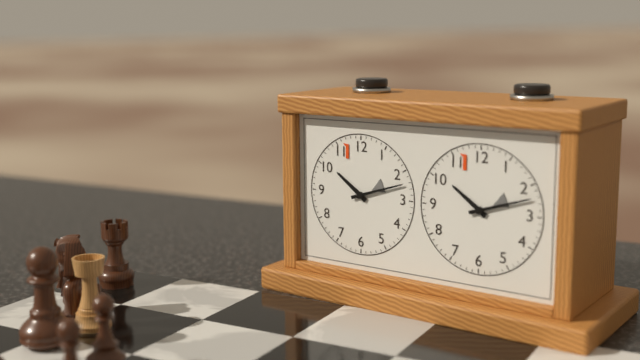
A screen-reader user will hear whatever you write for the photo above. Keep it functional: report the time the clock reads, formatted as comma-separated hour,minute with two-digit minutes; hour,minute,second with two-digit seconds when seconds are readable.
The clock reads 10,12
